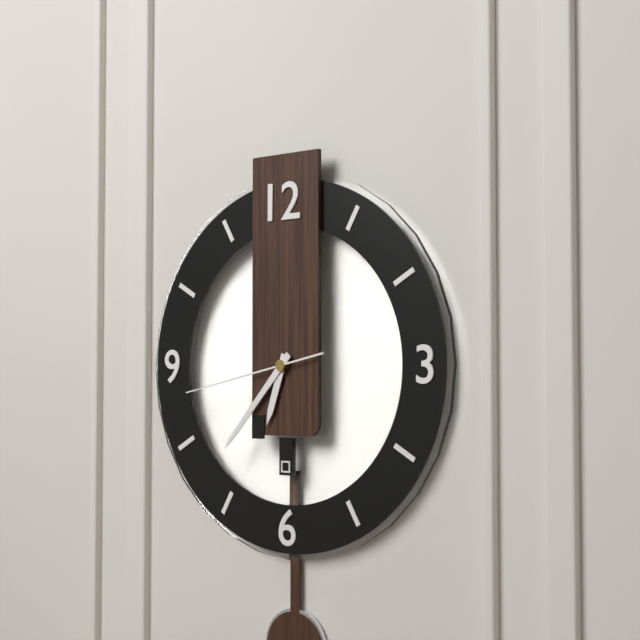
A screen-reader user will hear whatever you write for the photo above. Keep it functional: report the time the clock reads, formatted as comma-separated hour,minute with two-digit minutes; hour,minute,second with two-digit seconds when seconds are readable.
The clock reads 6,37,43
